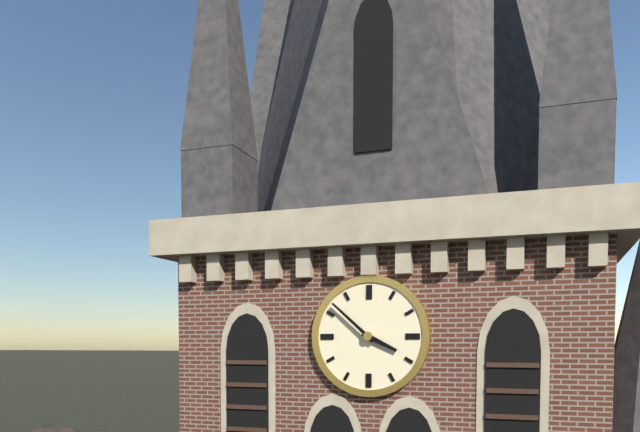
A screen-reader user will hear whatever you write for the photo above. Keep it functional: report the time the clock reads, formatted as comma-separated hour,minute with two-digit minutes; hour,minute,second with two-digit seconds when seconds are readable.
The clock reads 3,52
